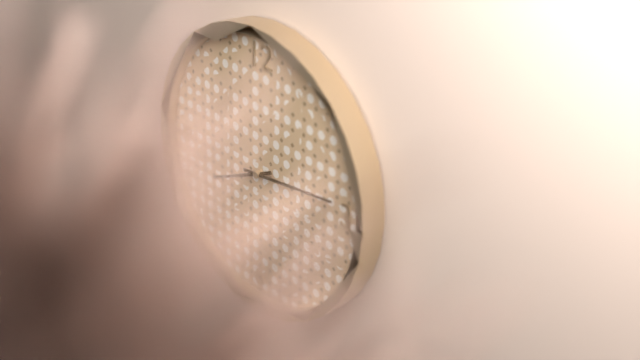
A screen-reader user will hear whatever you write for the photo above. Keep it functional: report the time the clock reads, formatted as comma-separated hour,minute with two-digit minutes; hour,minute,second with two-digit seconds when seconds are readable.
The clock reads 8,14
